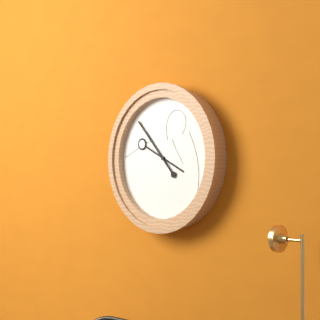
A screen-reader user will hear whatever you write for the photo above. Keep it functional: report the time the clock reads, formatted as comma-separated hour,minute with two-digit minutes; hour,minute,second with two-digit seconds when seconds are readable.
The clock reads 3,53
